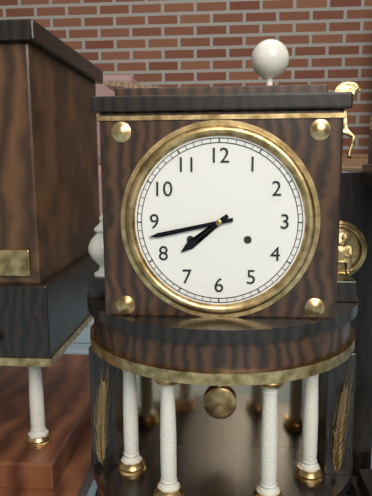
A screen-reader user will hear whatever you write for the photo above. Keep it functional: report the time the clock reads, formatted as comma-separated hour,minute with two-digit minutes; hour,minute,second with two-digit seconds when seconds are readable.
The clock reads 7,43
